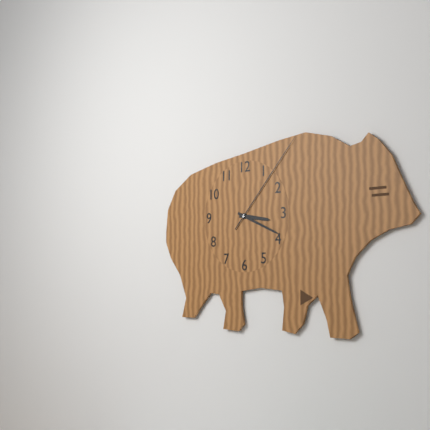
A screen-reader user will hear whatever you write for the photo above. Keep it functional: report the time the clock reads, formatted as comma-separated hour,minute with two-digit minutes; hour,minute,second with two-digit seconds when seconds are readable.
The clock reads 3,19,07
